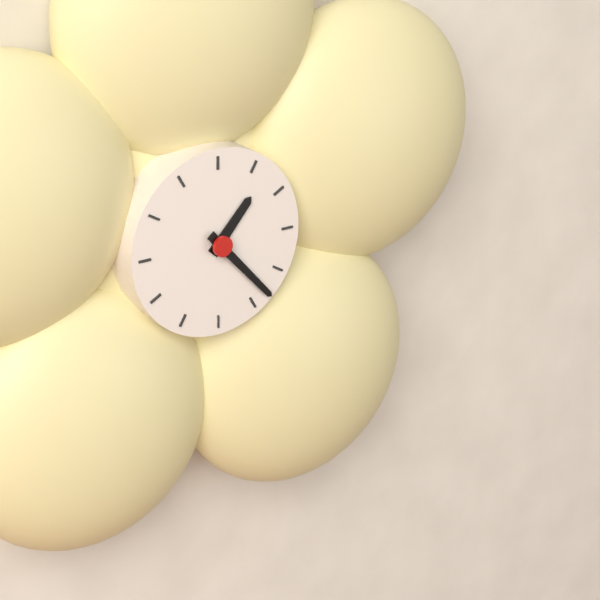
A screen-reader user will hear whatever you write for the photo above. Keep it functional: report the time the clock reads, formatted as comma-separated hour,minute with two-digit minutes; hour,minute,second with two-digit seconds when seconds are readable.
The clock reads 1,23
